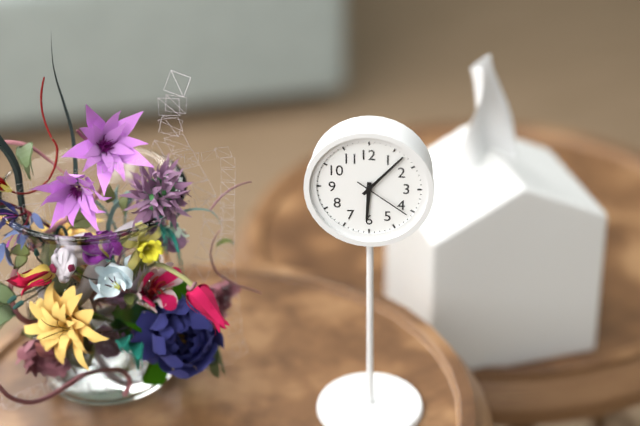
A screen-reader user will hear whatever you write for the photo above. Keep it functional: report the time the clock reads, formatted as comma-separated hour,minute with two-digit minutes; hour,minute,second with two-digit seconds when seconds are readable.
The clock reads 6,07,21
